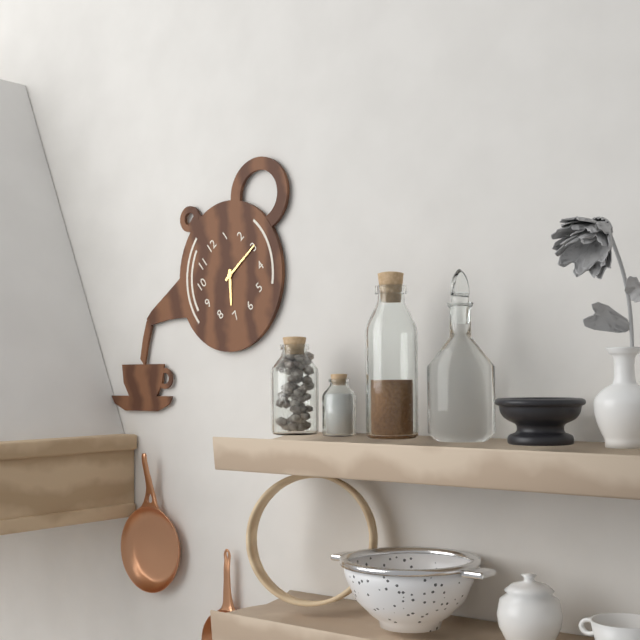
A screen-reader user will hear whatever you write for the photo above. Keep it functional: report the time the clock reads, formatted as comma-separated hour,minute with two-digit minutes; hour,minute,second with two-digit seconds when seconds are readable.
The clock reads 7,15
